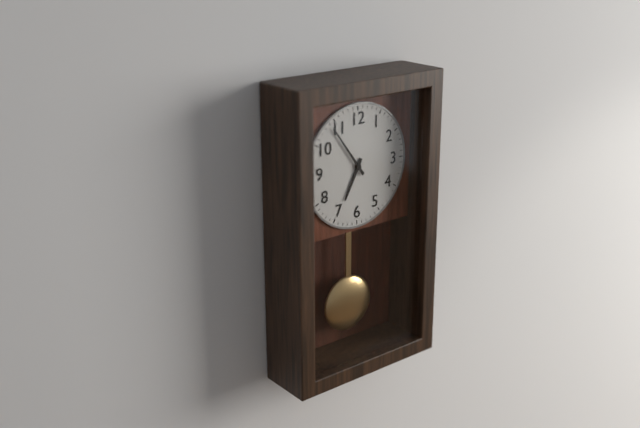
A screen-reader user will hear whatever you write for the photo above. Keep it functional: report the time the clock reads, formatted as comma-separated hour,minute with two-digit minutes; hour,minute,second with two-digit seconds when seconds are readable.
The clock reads 6,54
